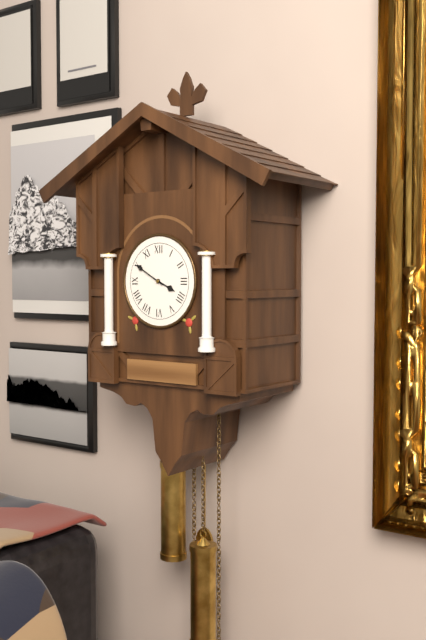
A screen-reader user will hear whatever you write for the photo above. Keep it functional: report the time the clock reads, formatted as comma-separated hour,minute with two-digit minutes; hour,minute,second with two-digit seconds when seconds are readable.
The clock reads 3,50
